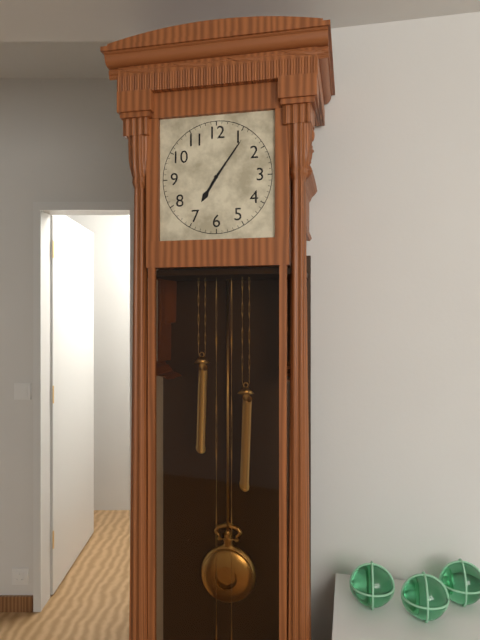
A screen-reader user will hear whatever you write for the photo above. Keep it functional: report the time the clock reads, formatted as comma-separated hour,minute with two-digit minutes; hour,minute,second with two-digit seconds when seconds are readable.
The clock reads 7,06
